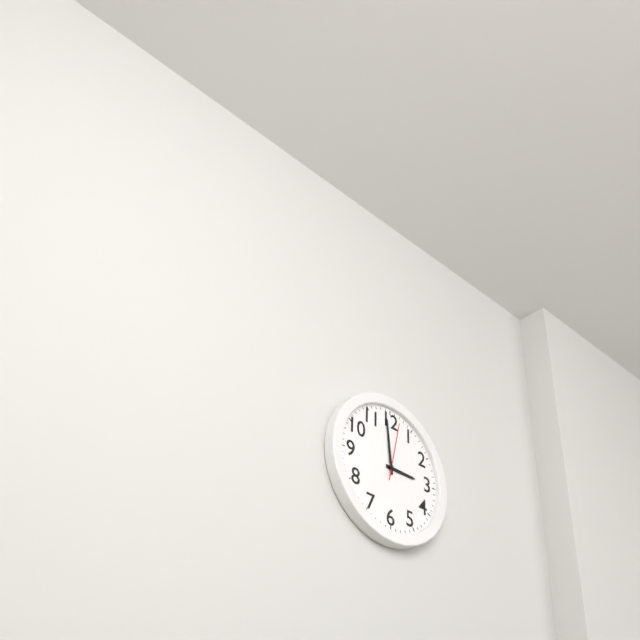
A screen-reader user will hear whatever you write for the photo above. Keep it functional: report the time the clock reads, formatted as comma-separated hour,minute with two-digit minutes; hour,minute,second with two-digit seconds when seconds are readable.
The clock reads 2,59,02
